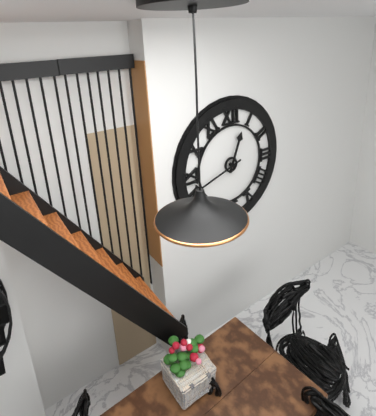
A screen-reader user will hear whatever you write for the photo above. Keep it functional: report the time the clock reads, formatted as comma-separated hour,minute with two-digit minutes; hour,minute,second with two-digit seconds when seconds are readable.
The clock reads 12,42
